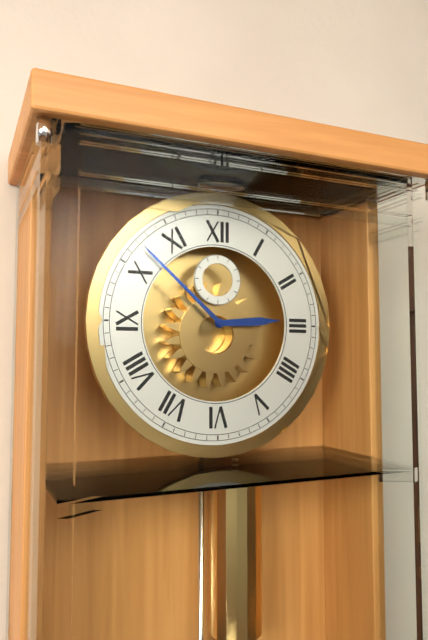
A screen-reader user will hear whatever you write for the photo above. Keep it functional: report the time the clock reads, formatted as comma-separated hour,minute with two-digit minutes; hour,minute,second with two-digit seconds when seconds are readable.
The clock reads 2,52
